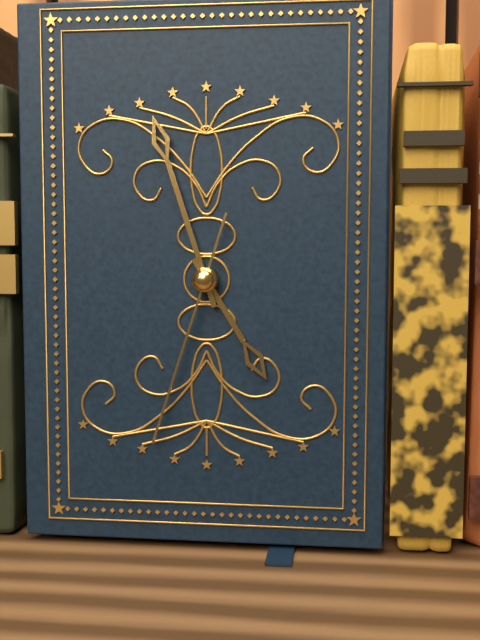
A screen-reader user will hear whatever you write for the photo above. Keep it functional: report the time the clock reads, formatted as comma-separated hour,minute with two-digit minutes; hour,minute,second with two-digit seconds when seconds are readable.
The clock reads 4,57,33
